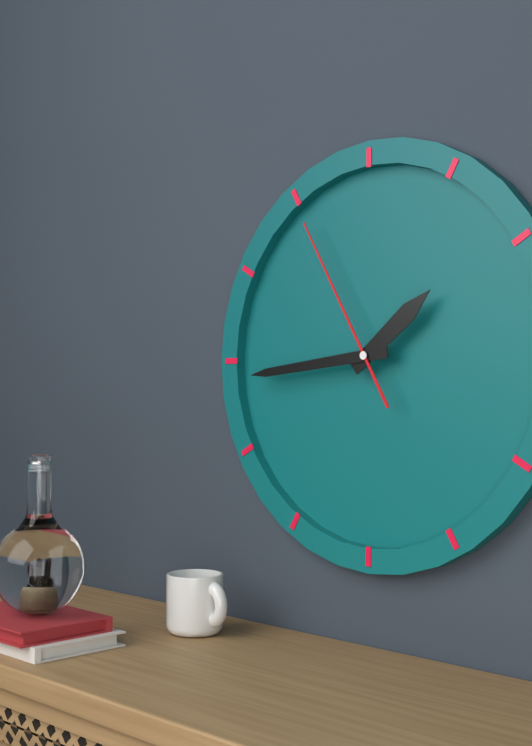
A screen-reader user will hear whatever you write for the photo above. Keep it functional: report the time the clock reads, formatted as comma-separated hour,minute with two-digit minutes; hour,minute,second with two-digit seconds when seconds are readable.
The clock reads 1,44,55
